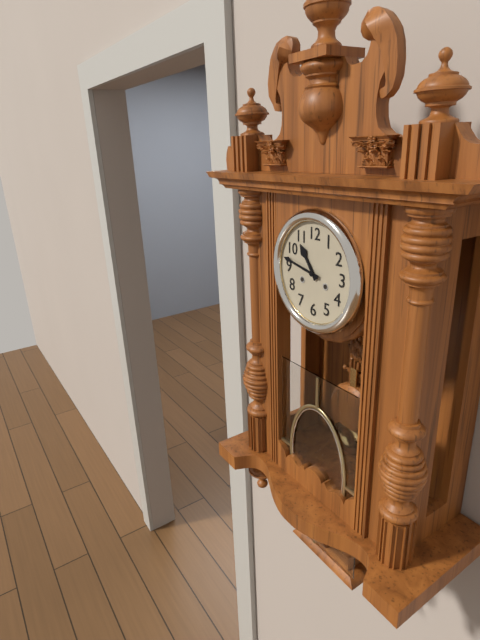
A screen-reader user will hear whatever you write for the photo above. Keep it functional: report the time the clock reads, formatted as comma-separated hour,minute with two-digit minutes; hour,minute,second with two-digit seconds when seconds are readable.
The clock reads 10,47
